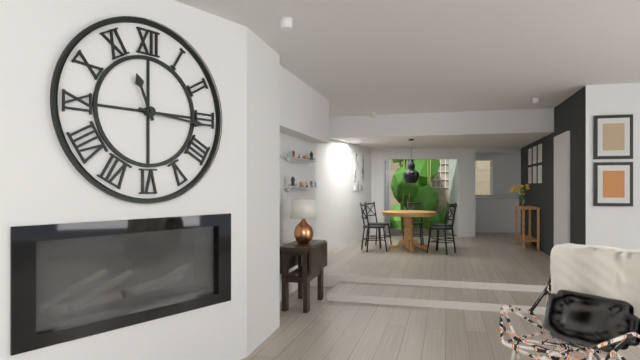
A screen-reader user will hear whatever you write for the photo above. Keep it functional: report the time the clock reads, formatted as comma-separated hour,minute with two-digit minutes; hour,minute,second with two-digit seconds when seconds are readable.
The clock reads 11,16
